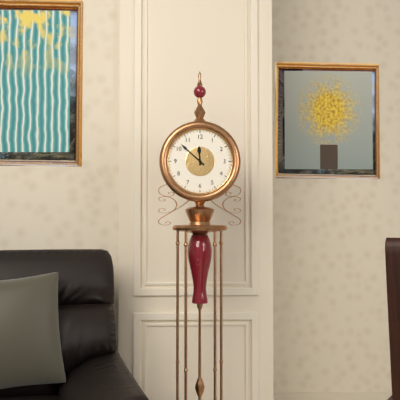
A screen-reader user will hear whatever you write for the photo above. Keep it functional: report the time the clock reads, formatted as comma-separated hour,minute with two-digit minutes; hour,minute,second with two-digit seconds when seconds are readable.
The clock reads 11,52
